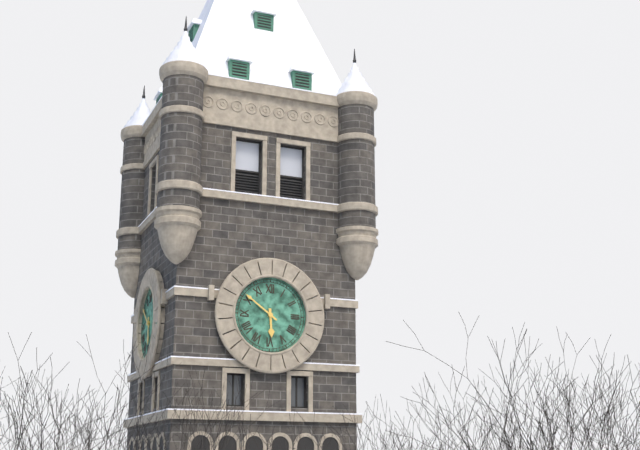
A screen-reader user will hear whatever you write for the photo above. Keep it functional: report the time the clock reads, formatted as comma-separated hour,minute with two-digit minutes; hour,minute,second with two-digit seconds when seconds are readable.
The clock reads 5,51
